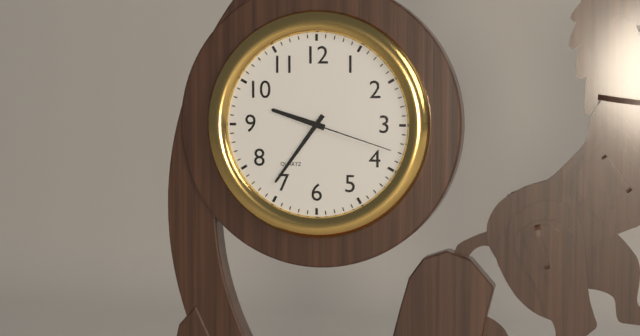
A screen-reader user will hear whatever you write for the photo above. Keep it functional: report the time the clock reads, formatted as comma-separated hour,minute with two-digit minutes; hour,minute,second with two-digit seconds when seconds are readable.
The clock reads 9,36,18
